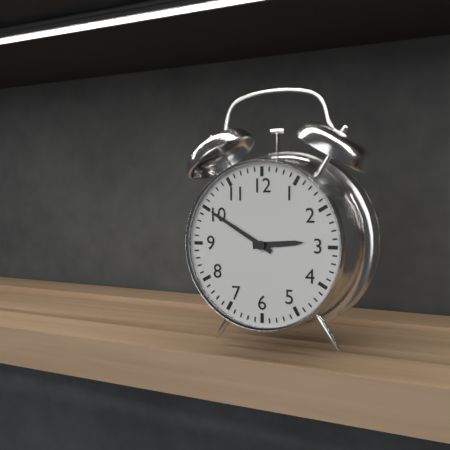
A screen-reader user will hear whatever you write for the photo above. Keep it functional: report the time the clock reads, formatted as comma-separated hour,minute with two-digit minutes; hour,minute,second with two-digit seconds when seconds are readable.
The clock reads 2,50
